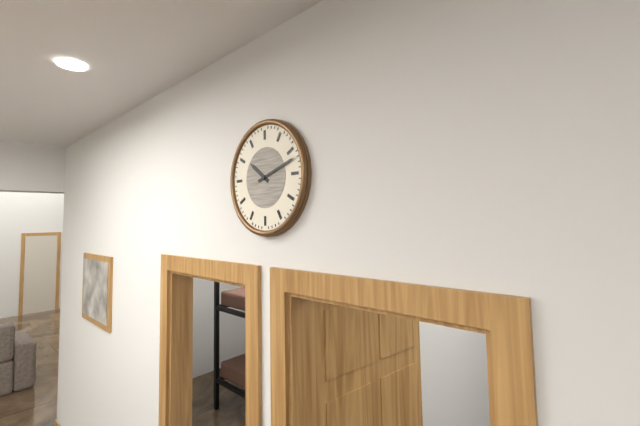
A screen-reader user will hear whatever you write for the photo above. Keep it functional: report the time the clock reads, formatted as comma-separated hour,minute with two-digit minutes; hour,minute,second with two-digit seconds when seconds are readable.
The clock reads 10,12
